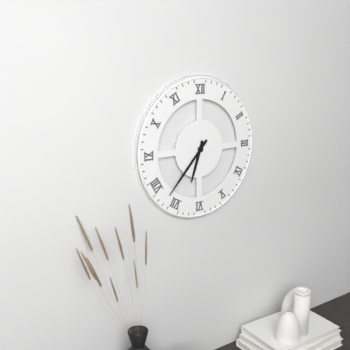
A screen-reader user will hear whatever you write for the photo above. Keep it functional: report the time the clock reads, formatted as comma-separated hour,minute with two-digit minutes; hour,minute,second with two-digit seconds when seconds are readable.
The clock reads 6,37
